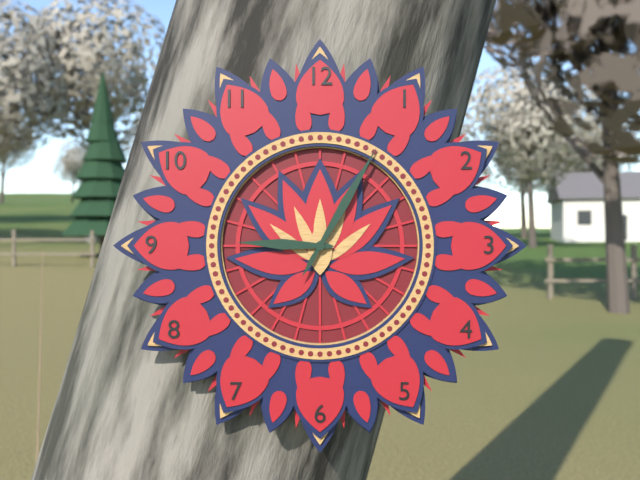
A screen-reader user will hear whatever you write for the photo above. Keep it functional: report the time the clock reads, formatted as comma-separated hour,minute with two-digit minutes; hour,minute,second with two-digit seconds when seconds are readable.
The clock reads 9,05
